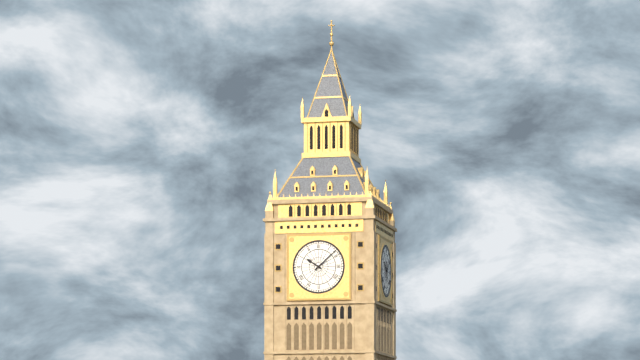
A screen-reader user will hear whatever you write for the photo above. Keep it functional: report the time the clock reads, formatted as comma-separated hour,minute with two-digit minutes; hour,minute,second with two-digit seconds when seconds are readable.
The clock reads 10,08
